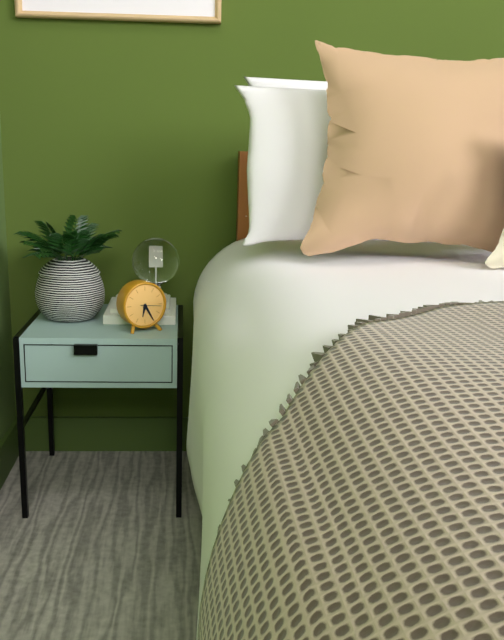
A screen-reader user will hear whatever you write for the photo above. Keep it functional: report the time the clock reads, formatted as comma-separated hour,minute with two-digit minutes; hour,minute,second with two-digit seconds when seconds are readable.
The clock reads 6,25
